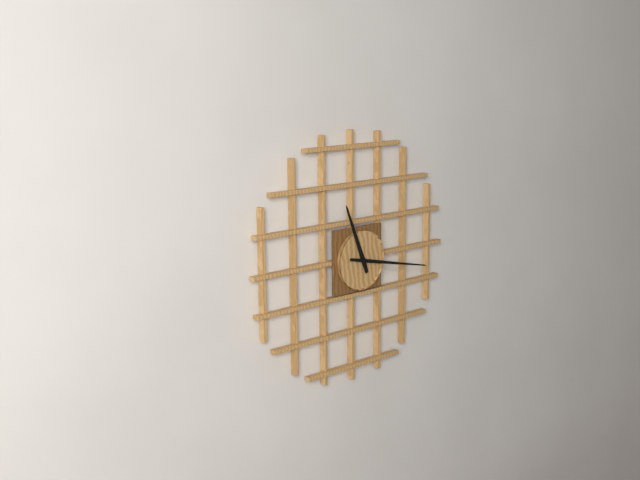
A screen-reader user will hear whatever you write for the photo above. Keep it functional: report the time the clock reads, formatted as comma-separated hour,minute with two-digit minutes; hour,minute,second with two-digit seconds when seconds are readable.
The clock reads 11,17
